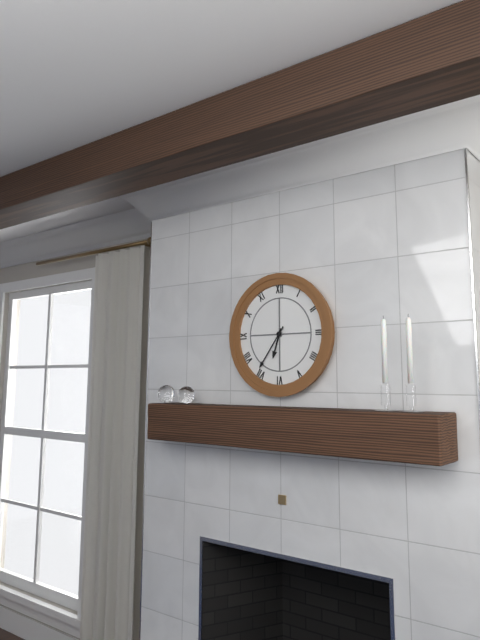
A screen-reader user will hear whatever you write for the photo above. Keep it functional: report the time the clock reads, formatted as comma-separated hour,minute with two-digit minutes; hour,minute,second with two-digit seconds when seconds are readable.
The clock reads 6,36
